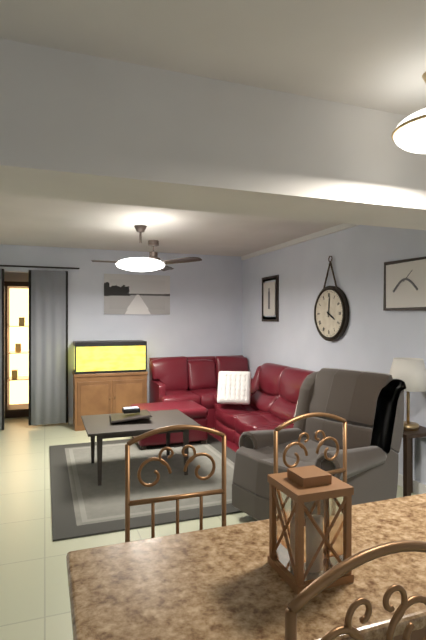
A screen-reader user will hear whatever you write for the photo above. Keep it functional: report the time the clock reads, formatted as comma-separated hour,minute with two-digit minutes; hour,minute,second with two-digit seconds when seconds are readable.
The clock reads 4,01
